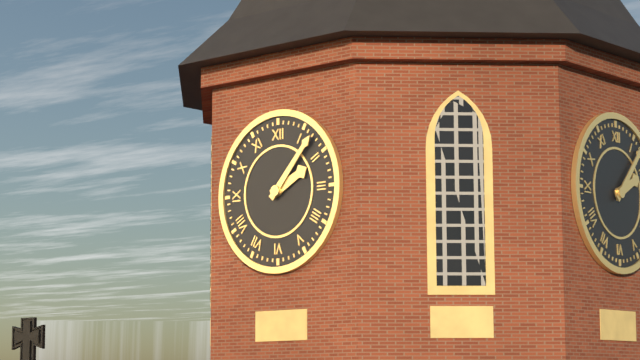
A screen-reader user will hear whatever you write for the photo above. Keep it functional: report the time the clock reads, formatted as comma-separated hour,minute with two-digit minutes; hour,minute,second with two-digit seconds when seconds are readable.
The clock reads 2,07
